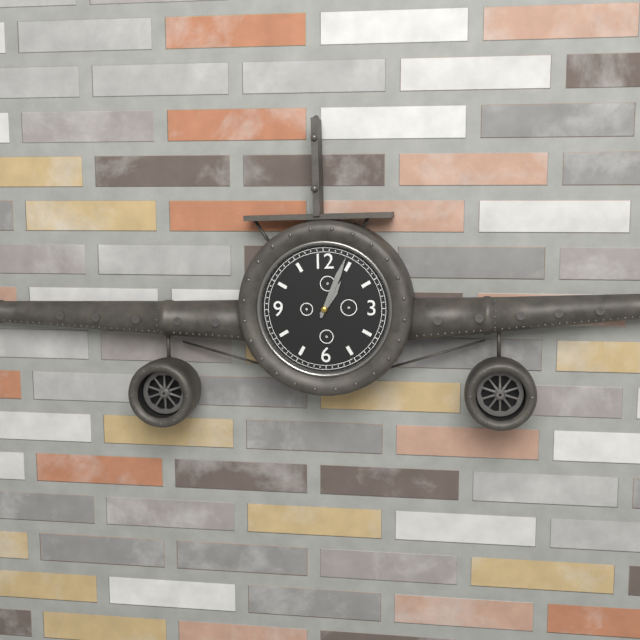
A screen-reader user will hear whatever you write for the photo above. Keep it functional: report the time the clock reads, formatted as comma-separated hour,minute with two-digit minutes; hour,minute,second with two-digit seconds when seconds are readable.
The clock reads 1,04
